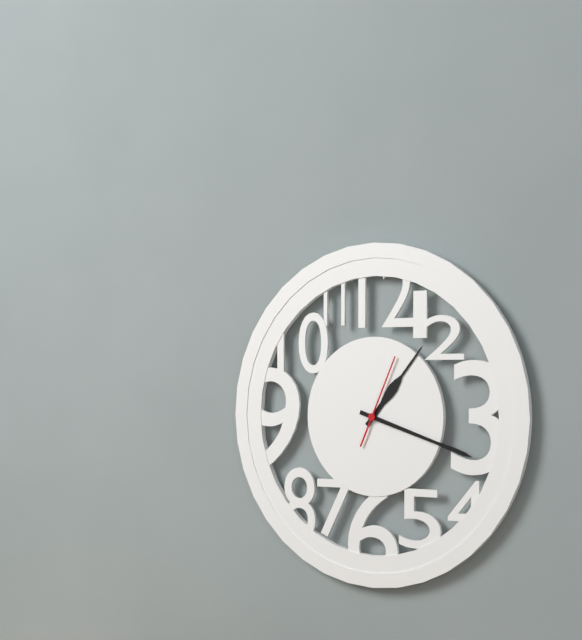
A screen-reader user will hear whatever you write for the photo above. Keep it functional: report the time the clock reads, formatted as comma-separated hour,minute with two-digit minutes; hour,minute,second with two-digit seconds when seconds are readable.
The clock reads 1,18,04
